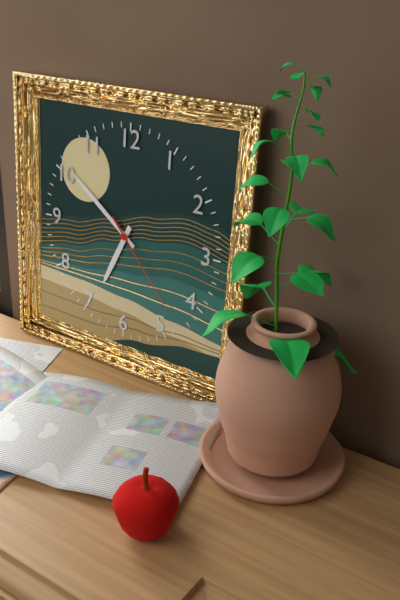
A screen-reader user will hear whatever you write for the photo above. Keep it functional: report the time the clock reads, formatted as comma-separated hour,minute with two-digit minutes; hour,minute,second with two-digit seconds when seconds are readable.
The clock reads 6,51,23
